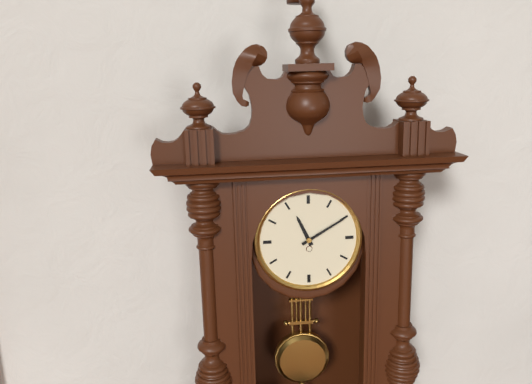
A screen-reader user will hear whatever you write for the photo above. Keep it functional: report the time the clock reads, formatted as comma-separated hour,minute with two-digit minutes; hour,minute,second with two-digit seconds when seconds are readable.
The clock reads 11,10
